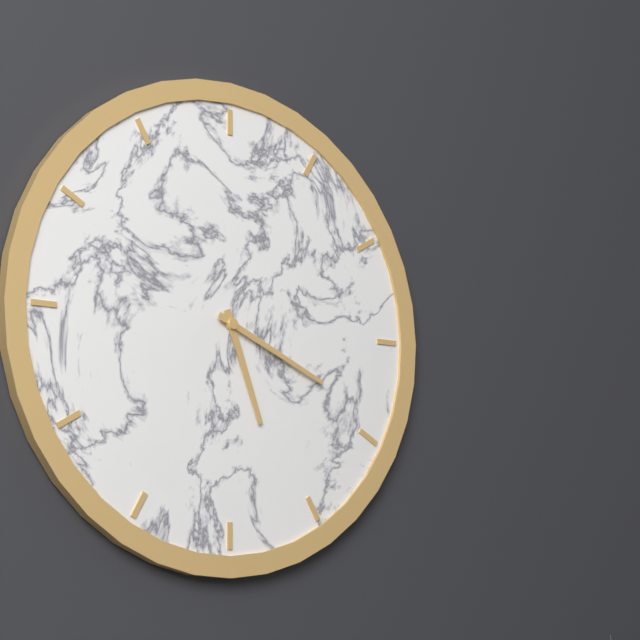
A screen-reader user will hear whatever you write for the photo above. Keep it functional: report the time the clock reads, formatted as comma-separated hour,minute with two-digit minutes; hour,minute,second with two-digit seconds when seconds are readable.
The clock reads 5,19
